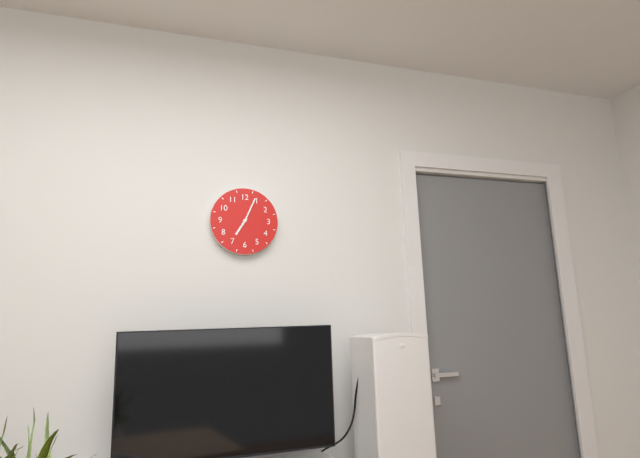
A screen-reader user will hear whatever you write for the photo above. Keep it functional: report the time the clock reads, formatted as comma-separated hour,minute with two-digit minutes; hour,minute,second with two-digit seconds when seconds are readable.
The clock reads 7,04
